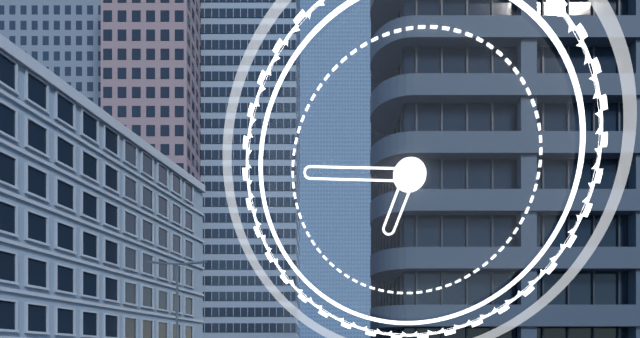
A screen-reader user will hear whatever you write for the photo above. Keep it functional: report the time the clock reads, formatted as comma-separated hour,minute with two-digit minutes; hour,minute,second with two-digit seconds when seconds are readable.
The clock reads 6,46
